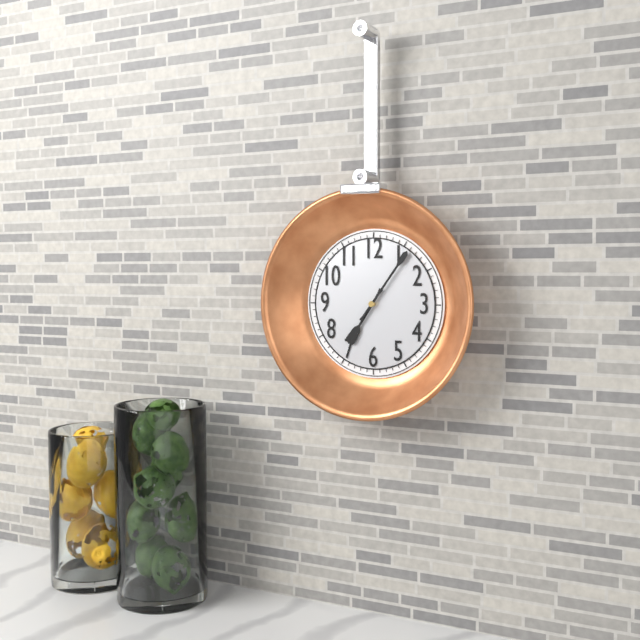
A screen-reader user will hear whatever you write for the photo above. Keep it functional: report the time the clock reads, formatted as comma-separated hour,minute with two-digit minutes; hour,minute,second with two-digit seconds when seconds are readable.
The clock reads 7,06
